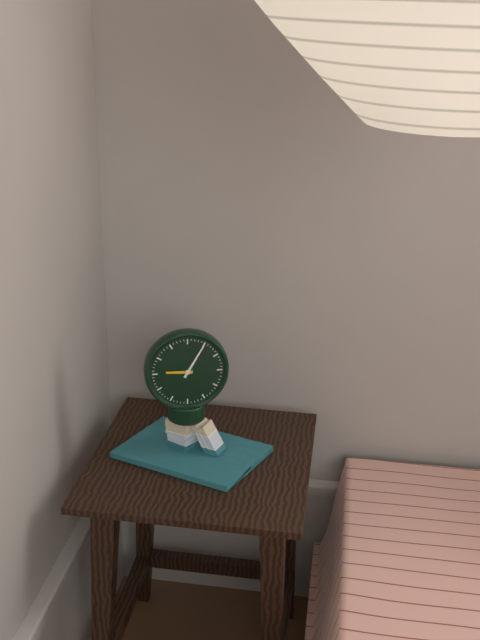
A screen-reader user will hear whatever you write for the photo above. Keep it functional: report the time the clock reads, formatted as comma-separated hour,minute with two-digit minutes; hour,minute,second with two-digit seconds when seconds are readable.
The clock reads 9,05
